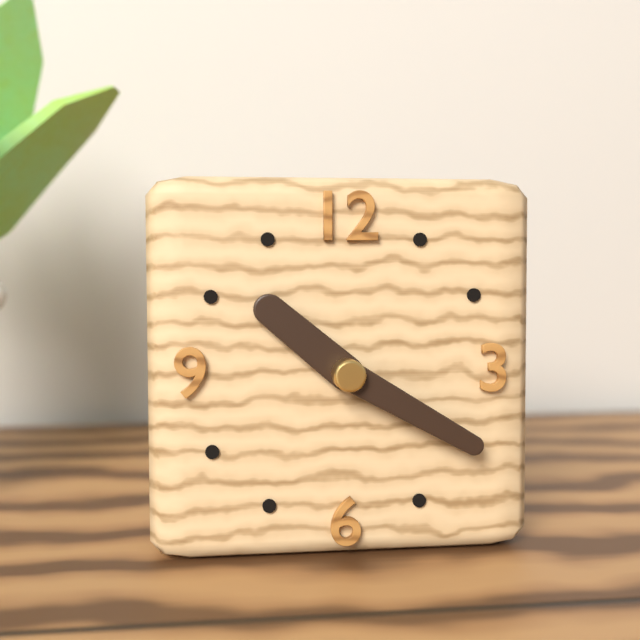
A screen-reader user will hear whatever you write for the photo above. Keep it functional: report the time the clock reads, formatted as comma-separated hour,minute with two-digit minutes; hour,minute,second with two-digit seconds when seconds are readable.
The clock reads 10,20
